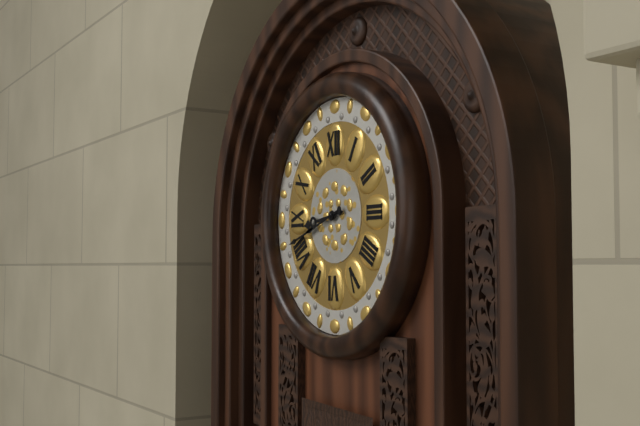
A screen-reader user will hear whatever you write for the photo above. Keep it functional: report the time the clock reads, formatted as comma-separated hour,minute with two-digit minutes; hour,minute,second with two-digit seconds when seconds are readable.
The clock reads 8,42
